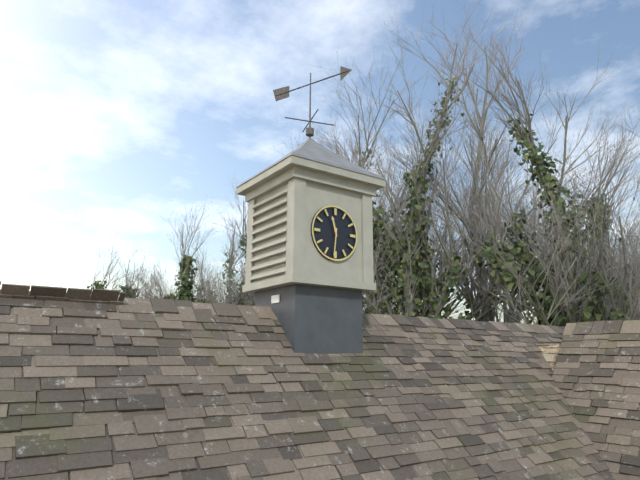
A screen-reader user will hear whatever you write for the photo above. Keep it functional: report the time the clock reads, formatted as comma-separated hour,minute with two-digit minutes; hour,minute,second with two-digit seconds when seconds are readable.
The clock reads 11,31
